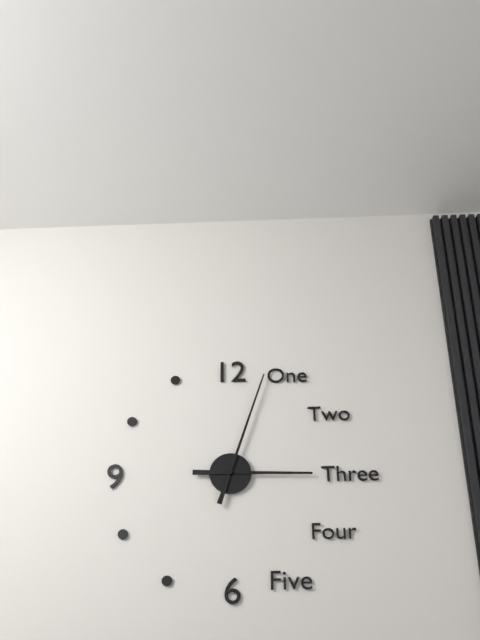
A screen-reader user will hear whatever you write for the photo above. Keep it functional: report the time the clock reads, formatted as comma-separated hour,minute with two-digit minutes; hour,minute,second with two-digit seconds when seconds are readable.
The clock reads 3,03
